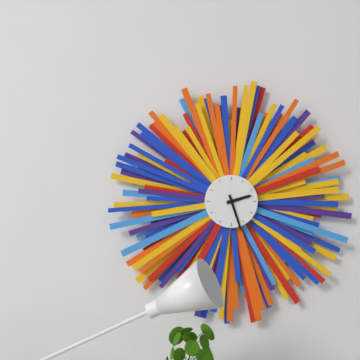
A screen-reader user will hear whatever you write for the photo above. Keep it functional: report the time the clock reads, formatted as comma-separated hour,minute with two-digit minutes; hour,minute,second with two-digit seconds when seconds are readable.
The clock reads 2,27
